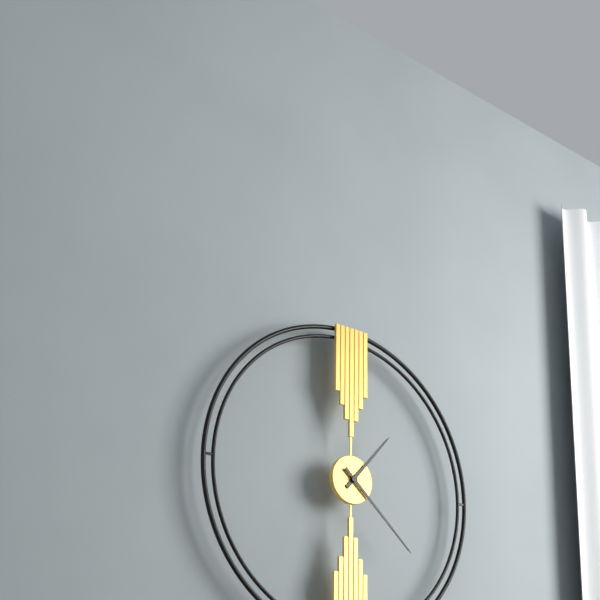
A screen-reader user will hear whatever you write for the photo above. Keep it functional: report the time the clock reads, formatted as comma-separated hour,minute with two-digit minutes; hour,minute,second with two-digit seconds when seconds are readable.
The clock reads 1,22
